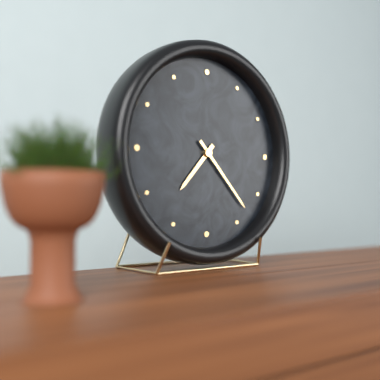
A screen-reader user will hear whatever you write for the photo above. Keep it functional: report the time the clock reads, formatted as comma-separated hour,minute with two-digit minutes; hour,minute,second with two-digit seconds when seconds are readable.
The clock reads 7,23
